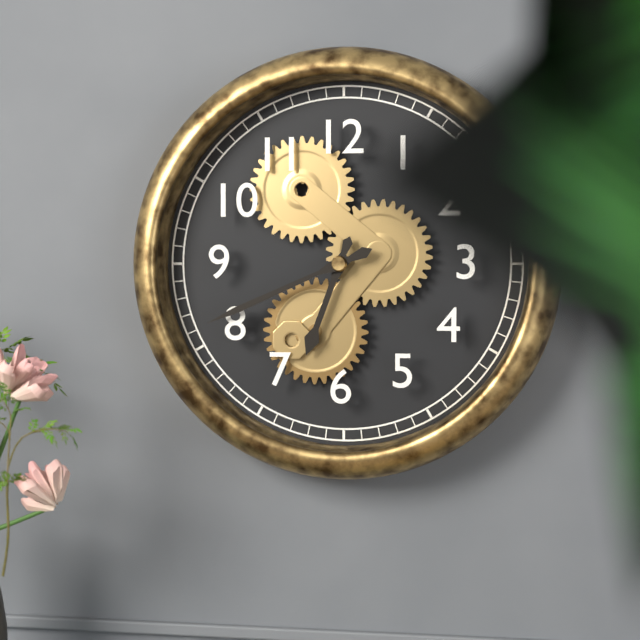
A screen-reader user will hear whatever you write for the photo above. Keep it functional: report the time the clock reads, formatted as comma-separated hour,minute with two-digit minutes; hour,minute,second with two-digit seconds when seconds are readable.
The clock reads 6,41
